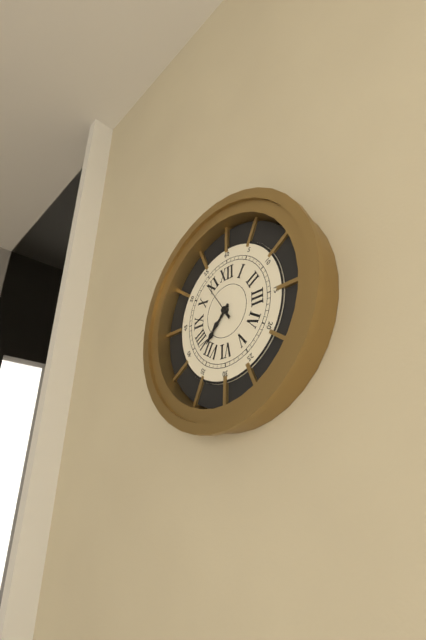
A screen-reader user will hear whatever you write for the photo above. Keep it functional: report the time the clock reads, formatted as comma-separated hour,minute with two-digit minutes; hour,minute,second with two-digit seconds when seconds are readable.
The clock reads 7,37,54
